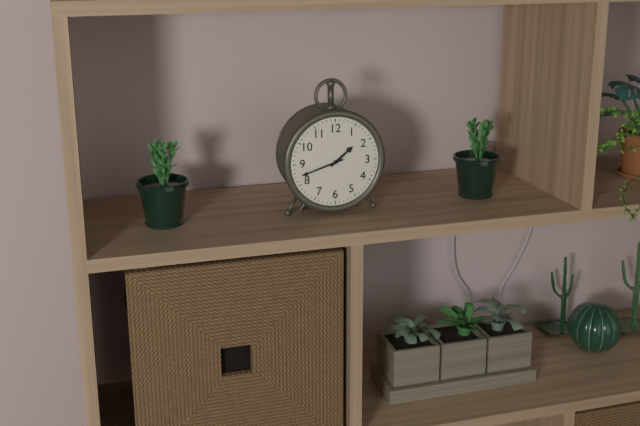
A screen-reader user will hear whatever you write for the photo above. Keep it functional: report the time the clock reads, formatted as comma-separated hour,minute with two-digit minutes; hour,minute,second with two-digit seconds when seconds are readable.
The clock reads 1,42
